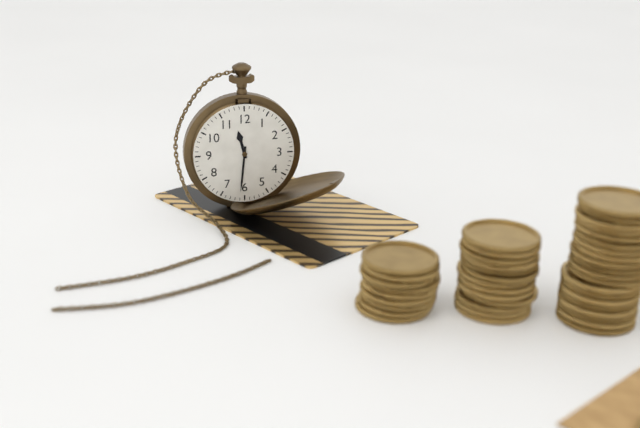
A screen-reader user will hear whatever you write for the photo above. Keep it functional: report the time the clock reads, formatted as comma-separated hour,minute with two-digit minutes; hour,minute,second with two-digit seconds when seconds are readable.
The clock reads 11,31
